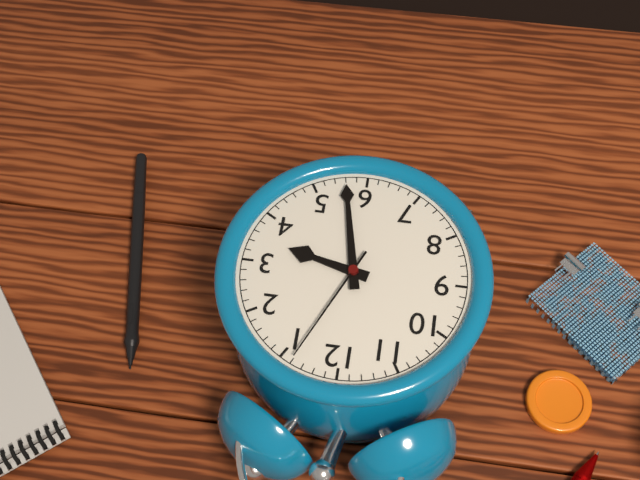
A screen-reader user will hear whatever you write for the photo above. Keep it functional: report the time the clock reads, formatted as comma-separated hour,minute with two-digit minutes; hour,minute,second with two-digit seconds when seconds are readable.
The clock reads 3,28,04
